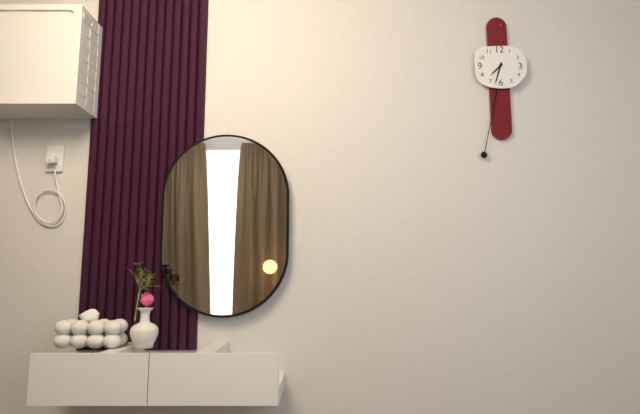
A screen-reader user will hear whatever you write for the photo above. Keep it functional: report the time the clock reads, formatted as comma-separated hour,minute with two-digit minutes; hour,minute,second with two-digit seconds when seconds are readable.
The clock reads 7,33
